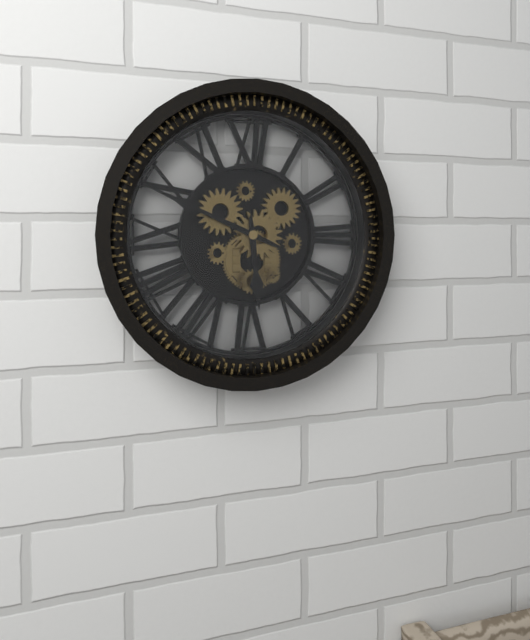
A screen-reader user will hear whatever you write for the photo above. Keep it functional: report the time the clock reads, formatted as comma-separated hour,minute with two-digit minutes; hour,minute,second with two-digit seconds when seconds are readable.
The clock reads 5,49
